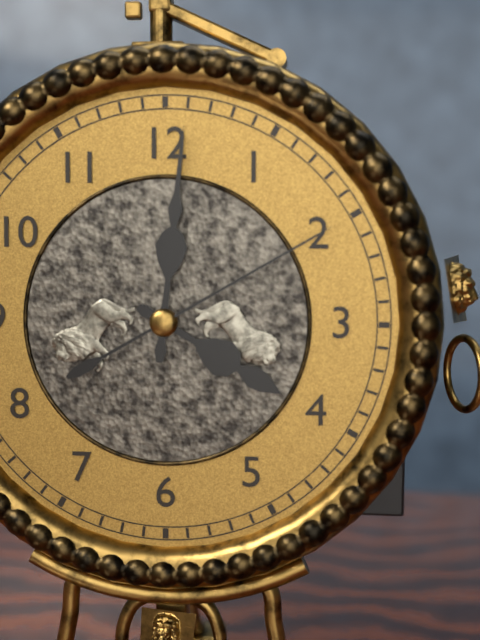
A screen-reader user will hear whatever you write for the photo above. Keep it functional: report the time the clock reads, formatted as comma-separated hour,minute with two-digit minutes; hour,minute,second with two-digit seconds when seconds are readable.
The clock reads 4,01,10
